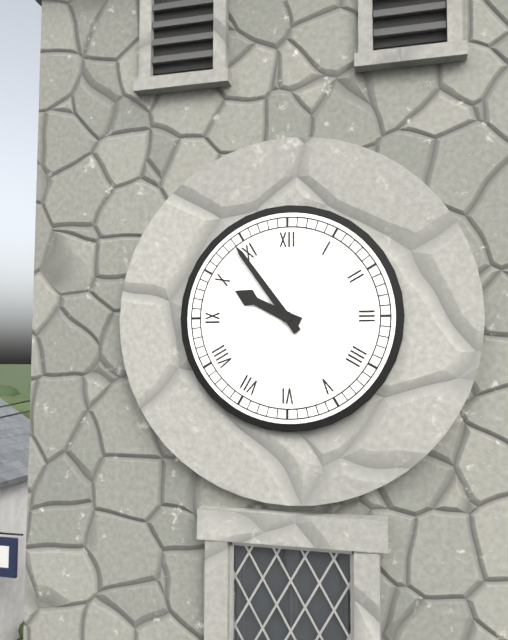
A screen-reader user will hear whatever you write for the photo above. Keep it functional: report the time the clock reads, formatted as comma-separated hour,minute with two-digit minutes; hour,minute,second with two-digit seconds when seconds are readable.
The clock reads 9,54
